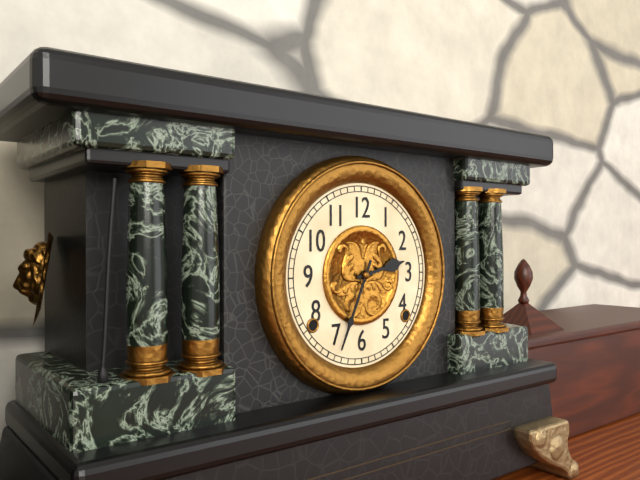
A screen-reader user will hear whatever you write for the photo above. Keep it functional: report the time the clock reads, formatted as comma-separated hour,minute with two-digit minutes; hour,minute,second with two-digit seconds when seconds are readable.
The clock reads 2,34
